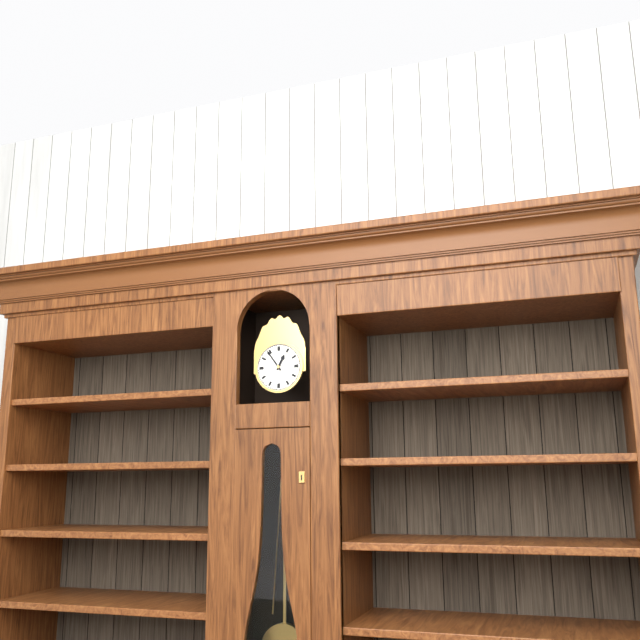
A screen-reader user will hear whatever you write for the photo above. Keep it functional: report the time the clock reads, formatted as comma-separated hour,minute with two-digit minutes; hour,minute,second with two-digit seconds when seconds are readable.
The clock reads 12,54
